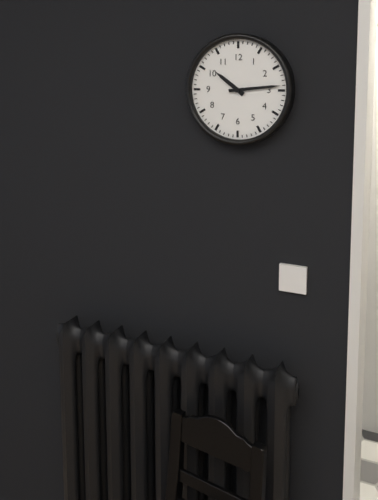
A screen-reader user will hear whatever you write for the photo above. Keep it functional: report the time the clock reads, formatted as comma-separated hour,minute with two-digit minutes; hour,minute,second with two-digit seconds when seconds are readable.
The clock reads 10,14
